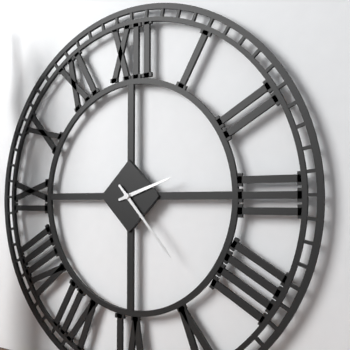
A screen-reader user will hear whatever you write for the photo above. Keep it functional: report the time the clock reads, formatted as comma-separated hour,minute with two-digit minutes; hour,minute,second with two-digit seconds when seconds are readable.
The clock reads 2,23
